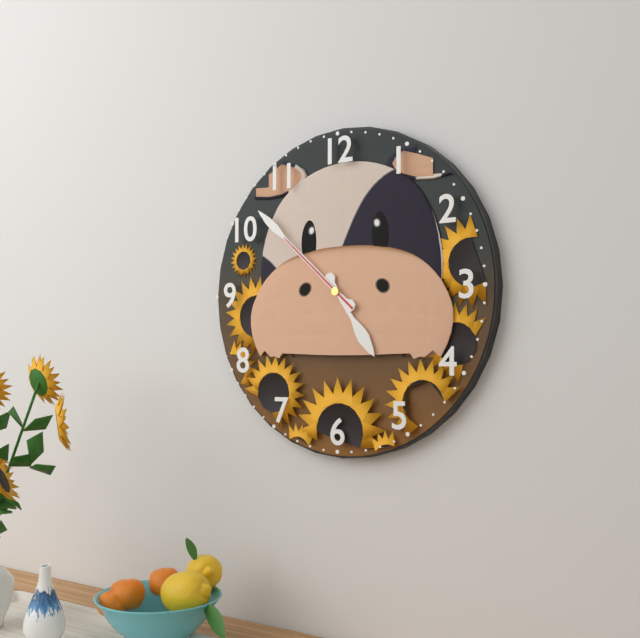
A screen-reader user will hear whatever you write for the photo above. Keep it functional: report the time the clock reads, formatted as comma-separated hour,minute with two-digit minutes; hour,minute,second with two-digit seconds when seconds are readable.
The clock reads 4,52,52
